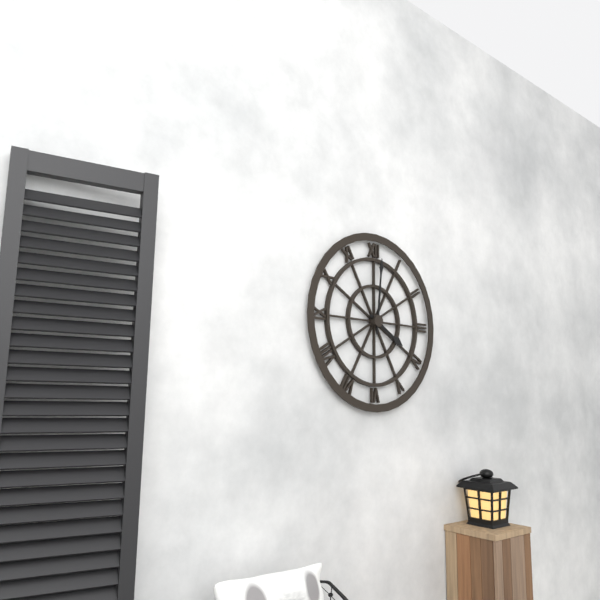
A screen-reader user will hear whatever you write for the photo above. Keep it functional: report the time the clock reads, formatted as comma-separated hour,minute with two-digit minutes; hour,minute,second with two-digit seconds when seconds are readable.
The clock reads 4,01
